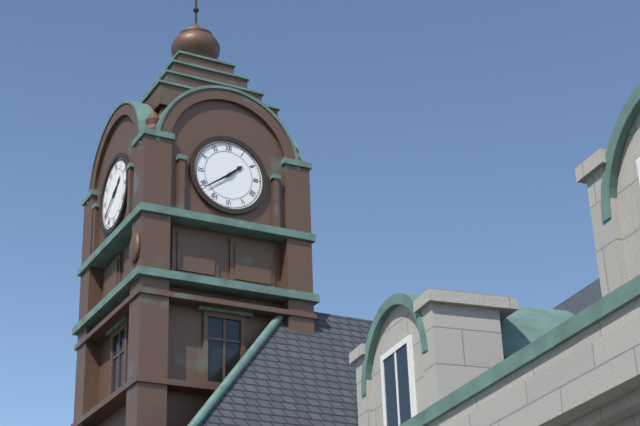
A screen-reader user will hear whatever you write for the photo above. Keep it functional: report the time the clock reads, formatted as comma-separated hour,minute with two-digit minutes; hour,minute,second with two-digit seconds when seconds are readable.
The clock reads 1,39
